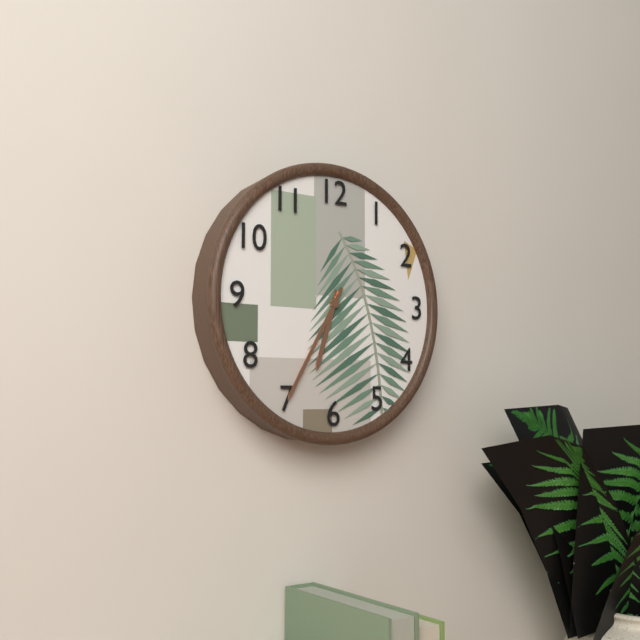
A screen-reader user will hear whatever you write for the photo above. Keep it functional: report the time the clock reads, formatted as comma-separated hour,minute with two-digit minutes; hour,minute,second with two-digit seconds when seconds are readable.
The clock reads 6,35
